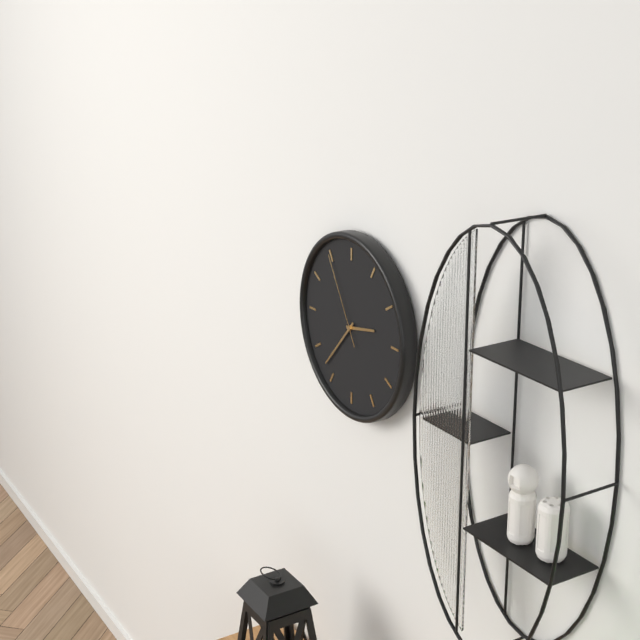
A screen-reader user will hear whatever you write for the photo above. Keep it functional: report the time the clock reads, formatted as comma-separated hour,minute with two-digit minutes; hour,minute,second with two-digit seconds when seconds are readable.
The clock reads 2,37,55
